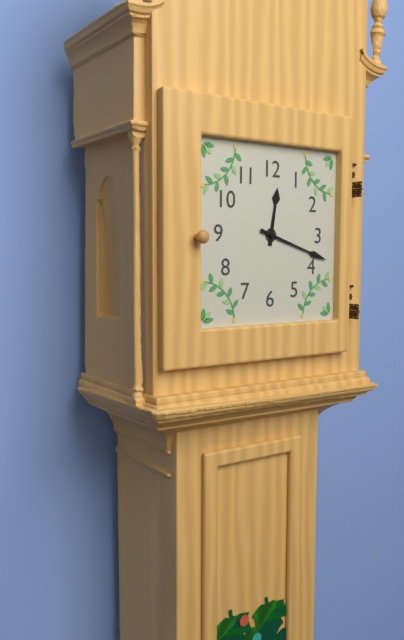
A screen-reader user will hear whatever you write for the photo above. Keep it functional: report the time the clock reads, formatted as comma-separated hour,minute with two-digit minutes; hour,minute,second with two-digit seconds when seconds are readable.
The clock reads 12,18
